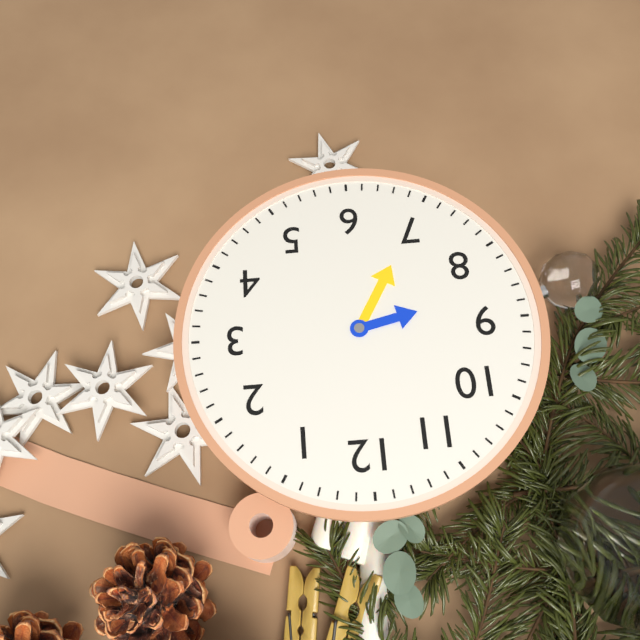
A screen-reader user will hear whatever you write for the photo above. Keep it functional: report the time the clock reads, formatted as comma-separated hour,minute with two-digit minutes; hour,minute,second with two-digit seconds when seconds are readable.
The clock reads 8,35
